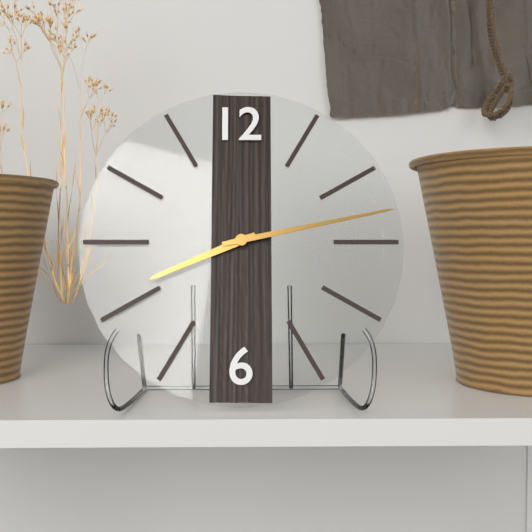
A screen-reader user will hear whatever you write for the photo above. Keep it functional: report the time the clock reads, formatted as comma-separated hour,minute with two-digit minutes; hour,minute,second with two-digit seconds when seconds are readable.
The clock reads 8,13
